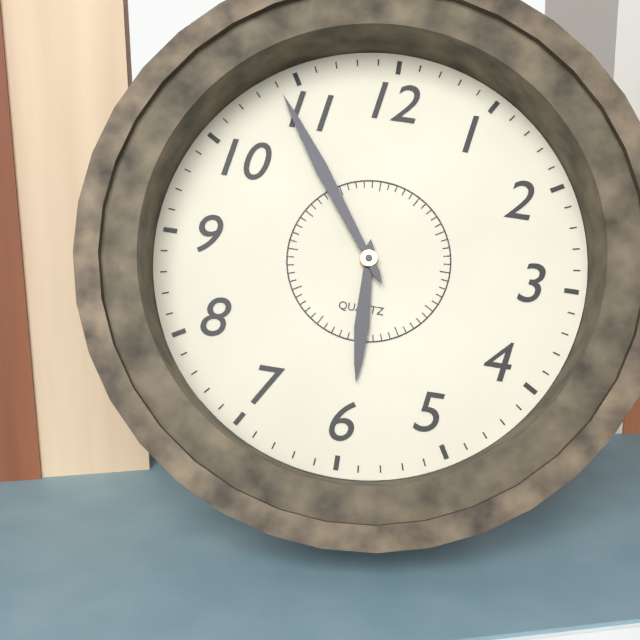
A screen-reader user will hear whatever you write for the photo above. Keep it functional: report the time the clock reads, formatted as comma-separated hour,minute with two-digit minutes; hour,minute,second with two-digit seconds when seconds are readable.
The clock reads 5,54
